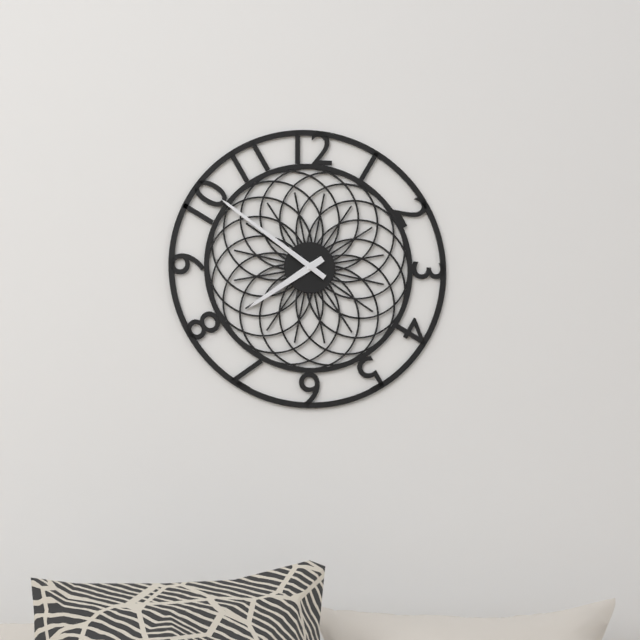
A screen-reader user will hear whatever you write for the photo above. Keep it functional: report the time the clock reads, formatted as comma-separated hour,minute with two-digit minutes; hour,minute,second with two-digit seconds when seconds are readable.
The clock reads 7,51
